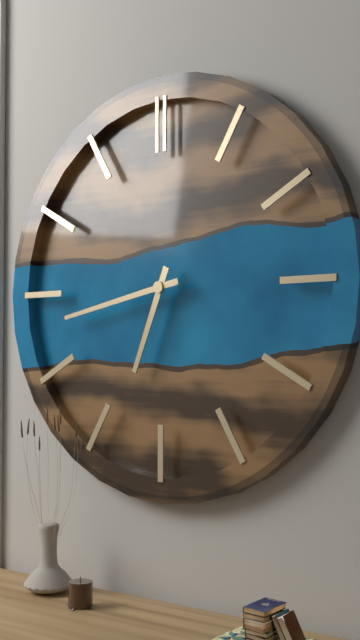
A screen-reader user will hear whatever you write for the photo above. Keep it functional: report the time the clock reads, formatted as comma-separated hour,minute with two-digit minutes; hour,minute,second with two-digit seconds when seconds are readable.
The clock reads 6,43
